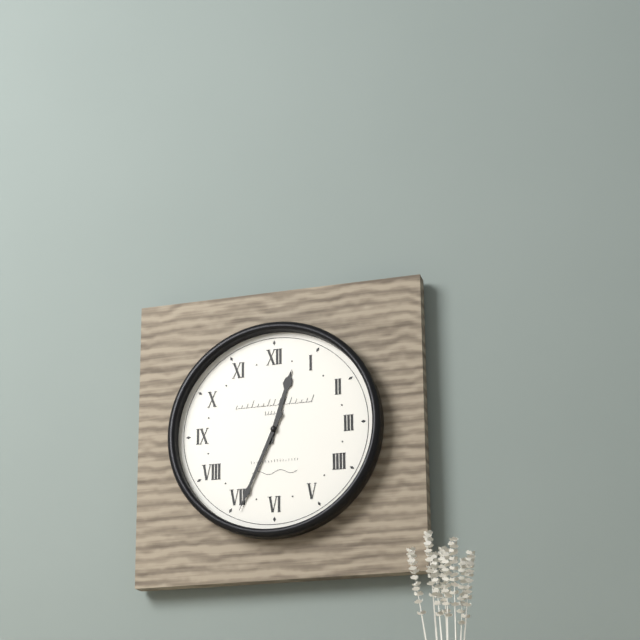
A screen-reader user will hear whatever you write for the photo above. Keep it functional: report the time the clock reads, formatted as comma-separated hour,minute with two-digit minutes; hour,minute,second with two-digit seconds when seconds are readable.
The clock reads 12,34
